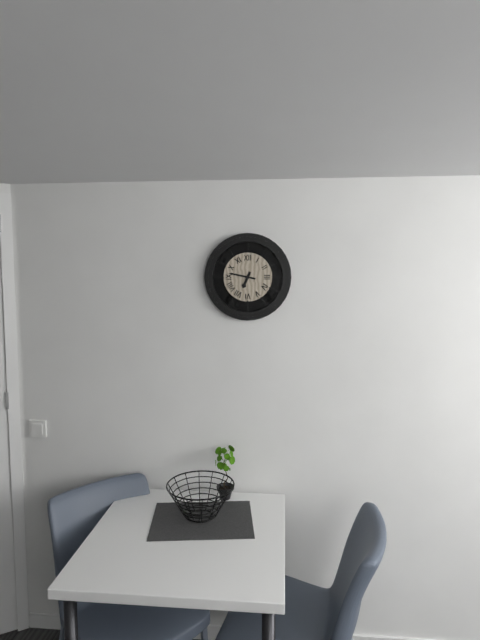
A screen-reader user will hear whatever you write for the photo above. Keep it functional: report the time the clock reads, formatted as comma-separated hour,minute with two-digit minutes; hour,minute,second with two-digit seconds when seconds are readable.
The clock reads 6,47
